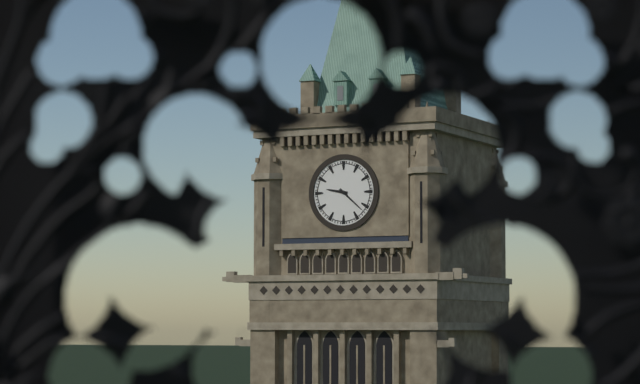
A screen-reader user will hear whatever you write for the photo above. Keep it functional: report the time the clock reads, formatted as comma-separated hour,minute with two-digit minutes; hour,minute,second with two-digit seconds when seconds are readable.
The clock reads 9,22
